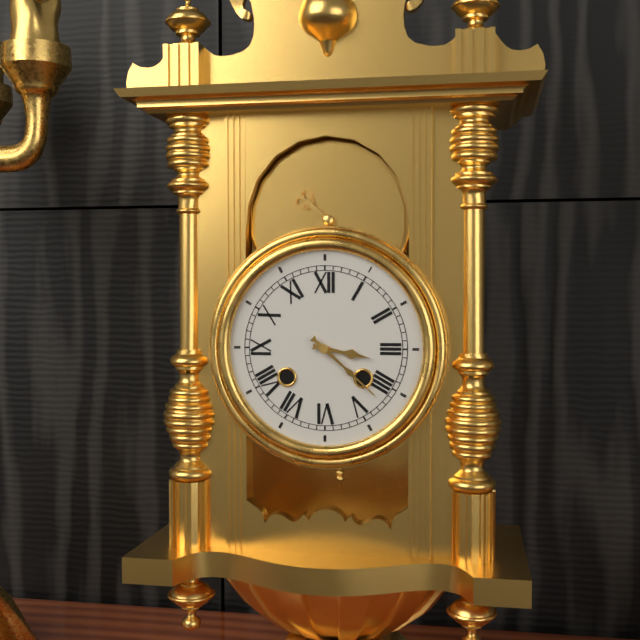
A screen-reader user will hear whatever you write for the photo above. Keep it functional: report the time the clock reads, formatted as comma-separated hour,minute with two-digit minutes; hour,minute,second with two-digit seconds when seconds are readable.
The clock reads 3,22
